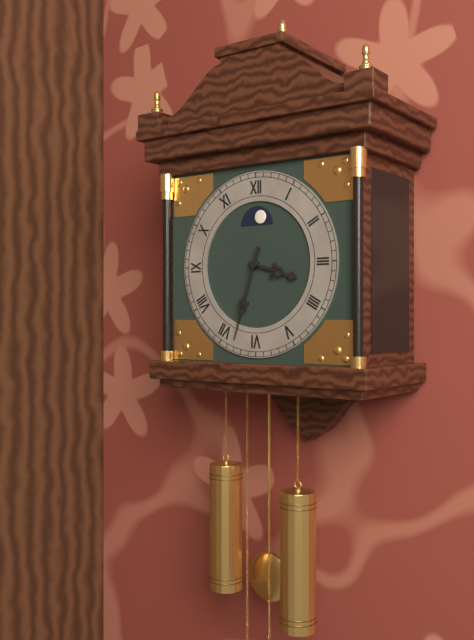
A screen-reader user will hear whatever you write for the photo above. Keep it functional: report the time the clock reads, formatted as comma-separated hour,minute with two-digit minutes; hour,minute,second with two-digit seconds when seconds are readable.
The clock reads 3,33
